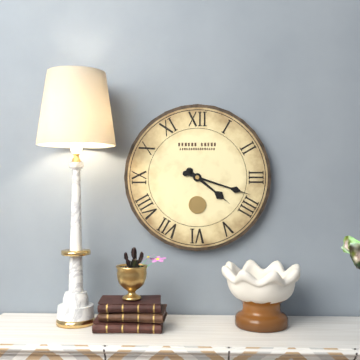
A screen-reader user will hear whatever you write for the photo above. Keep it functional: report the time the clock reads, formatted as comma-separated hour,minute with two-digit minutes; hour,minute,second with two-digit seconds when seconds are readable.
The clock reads 4,18
